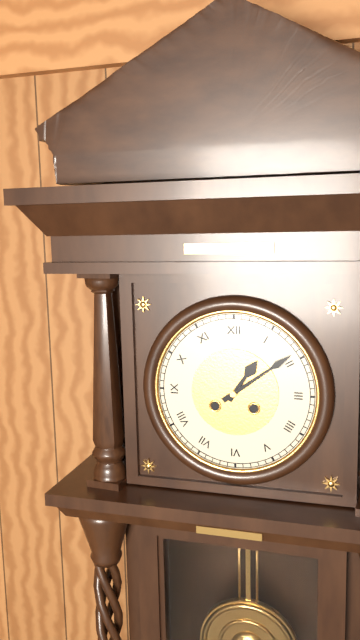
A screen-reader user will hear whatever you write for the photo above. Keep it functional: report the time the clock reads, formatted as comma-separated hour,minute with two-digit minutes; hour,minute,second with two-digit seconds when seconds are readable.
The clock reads 1,09
